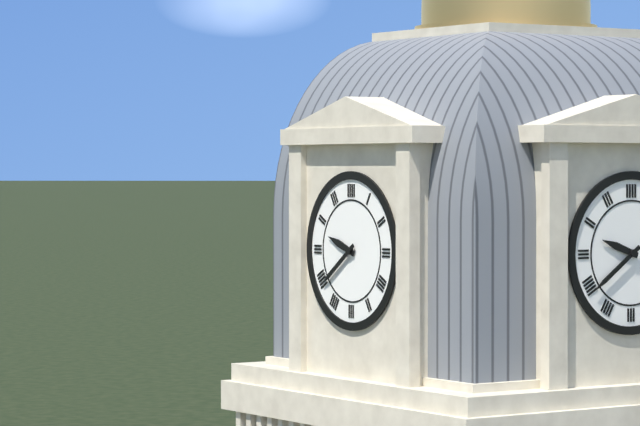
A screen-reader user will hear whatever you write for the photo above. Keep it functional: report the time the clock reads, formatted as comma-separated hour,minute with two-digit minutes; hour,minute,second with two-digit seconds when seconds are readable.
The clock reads 9,39
